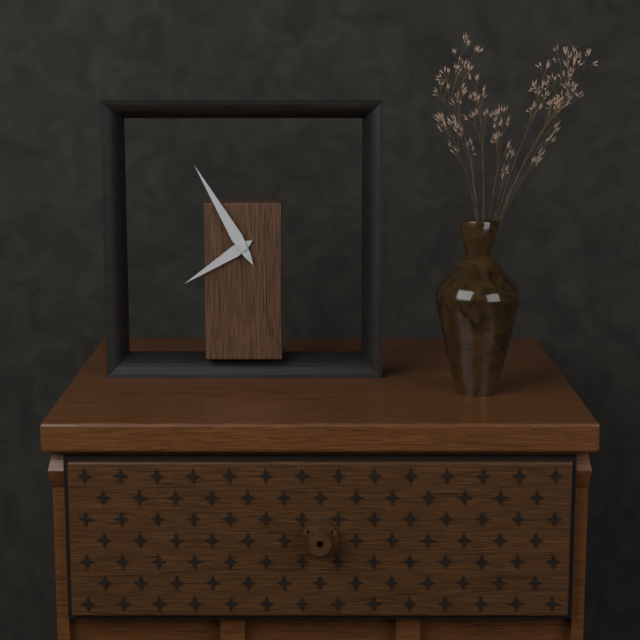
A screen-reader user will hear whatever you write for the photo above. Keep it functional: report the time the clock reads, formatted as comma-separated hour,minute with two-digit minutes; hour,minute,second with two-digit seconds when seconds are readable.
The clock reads 7,55
